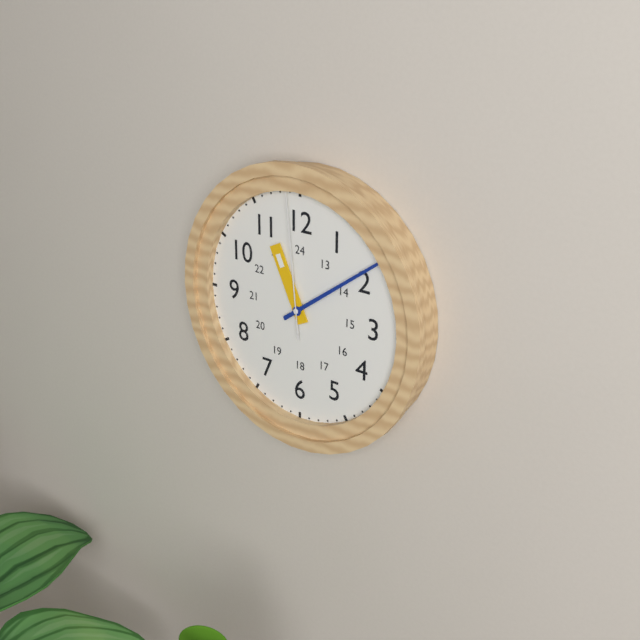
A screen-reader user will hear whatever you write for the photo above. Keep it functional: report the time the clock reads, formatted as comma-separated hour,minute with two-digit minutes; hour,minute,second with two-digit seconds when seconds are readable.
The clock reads 11,09,59
